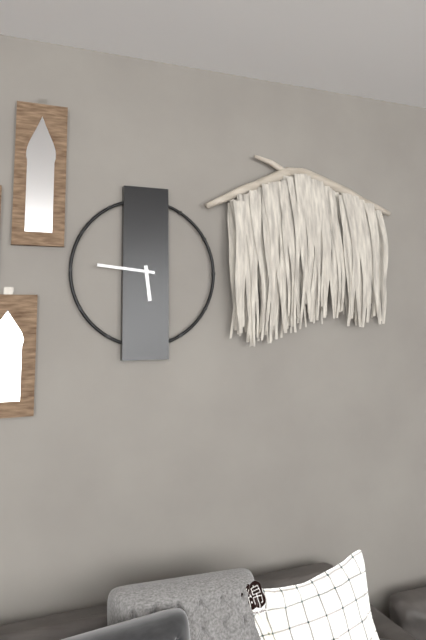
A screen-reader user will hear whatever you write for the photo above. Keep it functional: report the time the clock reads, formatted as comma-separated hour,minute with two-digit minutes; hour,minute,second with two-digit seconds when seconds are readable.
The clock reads 5,46
